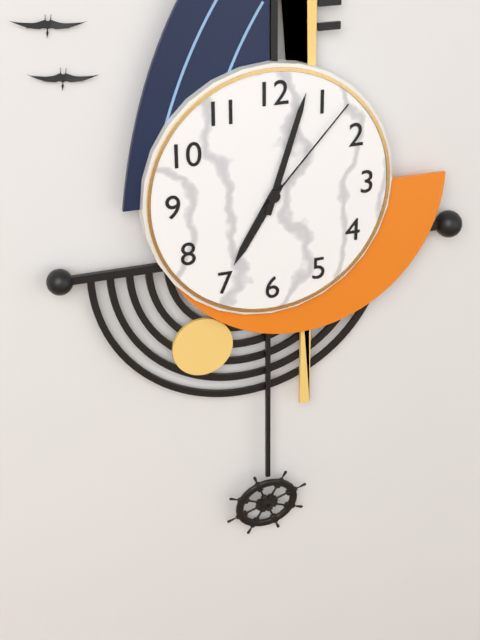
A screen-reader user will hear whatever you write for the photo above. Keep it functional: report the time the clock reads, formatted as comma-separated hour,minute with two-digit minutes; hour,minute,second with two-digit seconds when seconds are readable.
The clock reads 7,03,07
